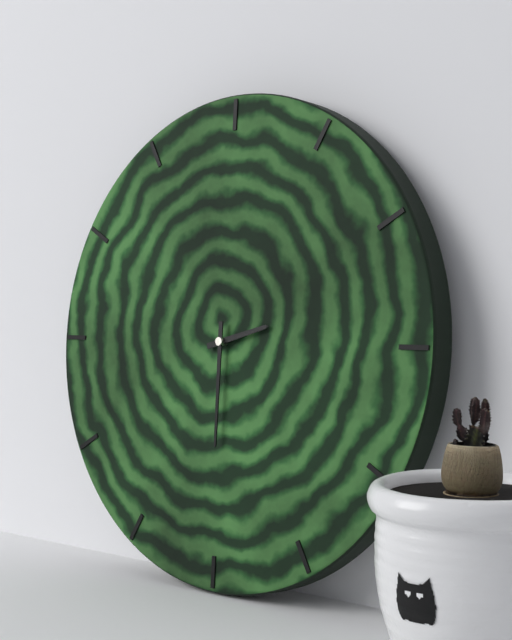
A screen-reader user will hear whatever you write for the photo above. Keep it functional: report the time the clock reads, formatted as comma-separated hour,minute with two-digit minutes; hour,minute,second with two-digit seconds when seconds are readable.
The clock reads 2,30
